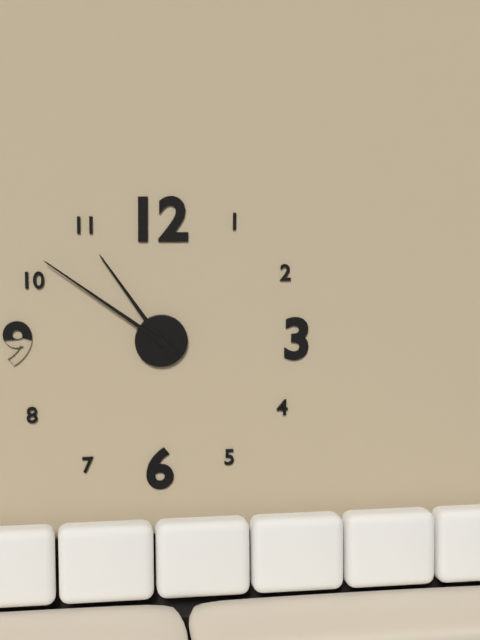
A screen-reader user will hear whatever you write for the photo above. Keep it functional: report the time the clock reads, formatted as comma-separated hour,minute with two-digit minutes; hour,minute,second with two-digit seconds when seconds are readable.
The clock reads 10,51
